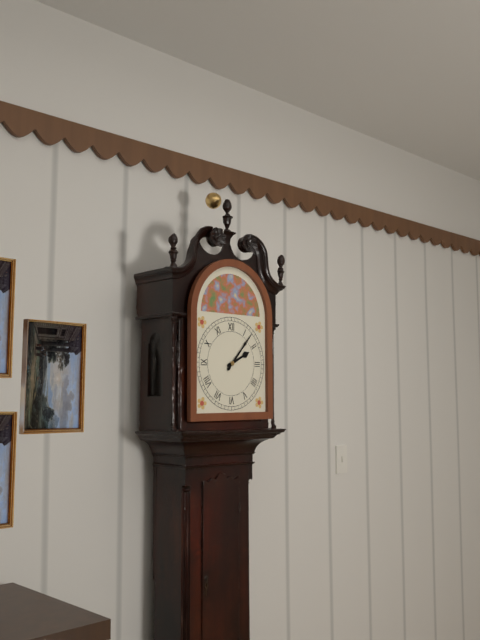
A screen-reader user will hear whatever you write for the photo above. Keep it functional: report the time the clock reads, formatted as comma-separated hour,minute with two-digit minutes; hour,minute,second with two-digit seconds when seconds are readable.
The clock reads 2,07
